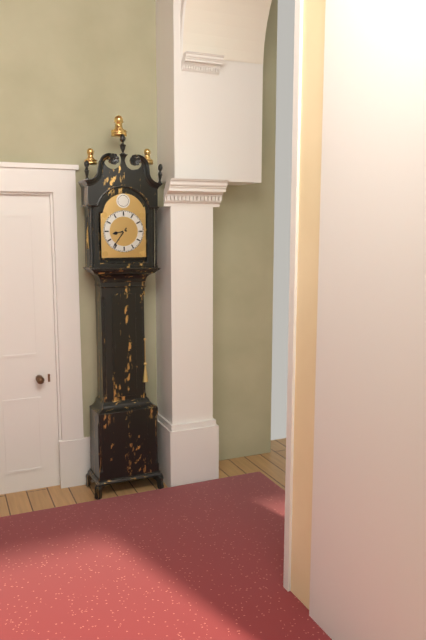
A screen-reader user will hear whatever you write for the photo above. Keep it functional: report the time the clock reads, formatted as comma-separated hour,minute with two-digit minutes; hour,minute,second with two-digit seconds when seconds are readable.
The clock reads 8,36
